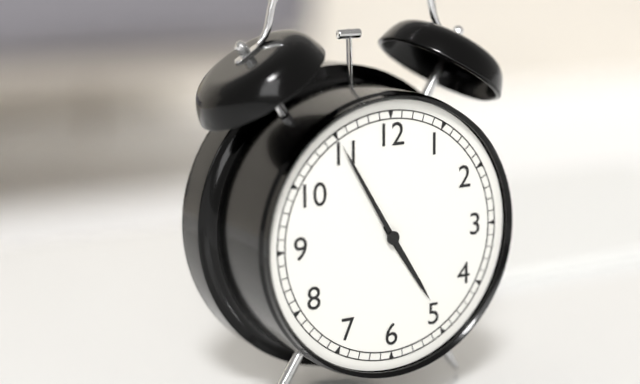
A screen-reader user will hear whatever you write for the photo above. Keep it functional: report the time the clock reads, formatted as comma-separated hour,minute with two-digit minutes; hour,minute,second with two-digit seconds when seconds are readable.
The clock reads 4,55
